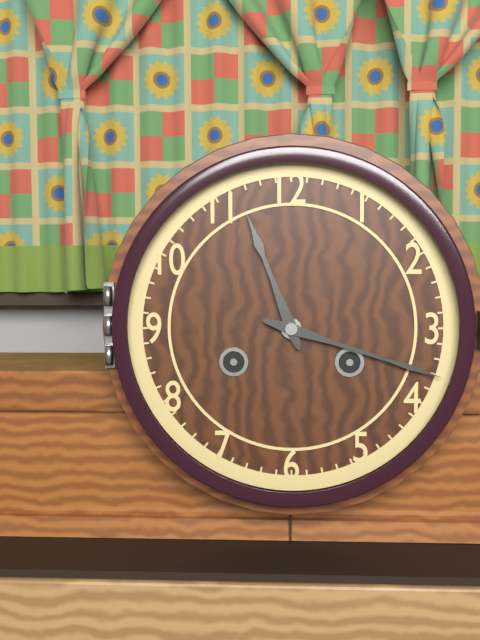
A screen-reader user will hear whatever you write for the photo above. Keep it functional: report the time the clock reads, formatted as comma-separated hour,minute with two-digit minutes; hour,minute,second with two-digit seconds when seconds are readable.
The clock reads 11,18
